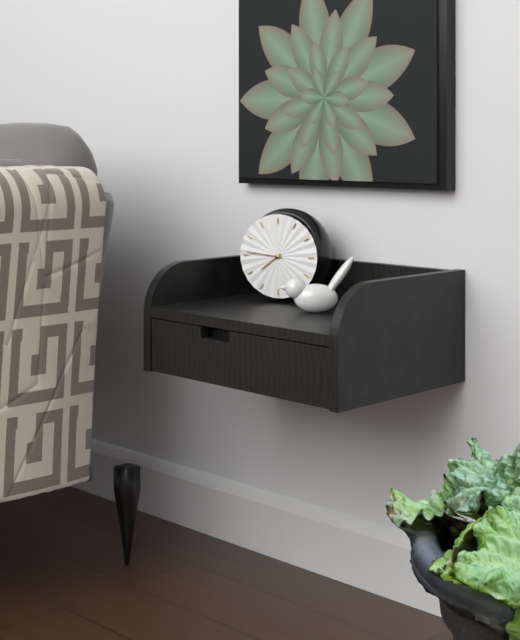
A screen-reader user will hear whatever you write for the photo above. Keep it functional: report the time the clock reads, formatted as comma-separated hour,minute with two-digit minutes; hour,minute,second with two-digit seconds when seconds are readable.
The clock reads 7,46
